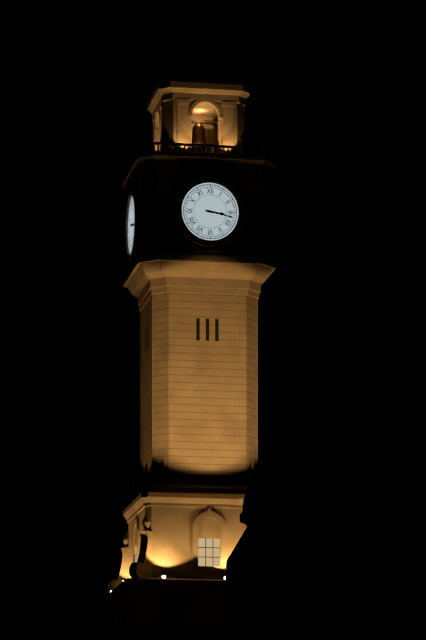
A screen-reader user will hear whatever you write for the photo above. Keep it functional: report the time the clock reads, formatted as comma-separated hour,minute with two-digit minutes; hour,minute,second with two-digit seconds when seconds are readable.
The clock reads 3,17
